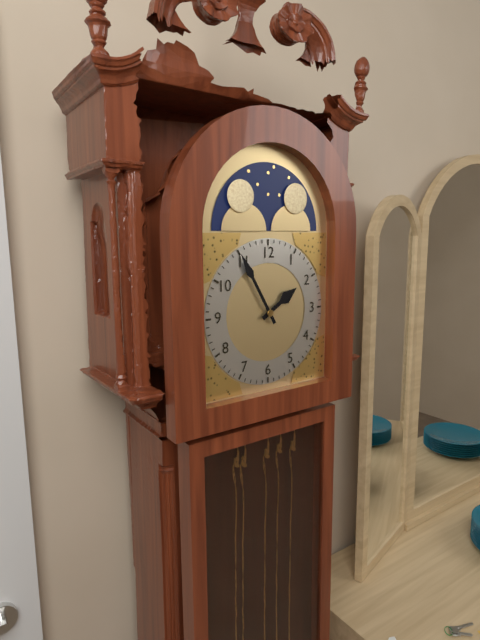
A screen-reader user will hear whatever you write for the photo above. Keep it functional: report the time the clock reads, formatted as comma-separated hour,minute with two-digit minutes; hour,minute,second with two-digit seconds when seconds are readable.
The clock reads 1,55
